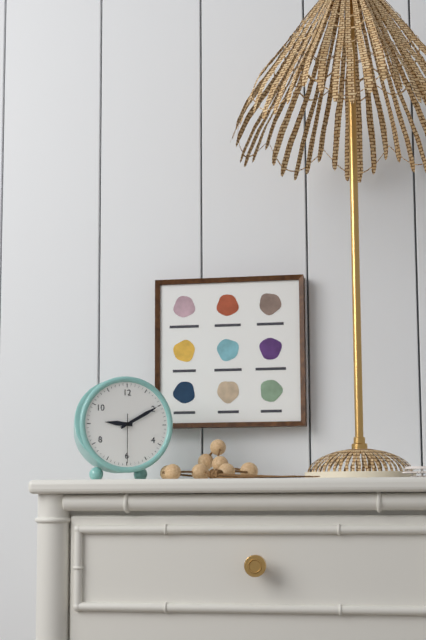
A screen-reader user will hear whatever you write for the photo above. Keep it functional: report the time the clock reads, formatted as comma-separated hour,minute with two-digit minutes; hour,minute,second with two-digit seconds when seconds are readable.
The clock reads 9,10
